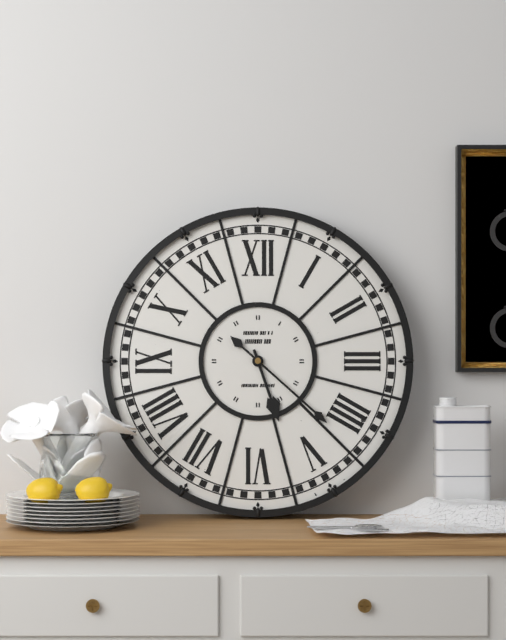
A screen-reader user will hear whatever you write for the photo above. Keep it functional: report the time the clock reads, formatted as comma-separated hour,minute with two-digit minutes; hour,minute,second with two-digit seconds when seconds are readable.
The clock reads 5,22
